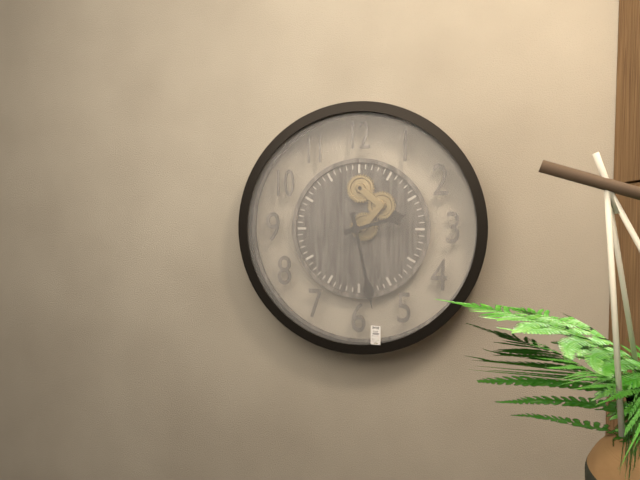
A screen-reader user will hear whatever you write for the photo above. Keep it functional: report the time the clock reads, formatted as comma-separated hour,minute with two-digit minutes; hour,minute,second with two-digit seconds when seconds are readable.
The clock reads 2,28
